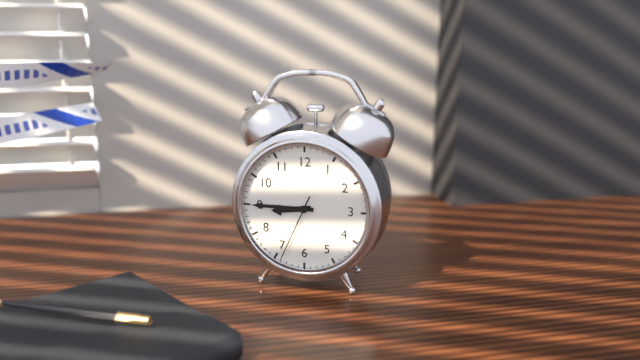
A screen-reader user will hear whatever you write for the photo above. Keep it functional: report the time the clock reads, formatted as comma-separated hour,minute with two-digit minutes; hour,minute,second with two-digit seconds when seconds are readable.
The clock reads 8,45,34
